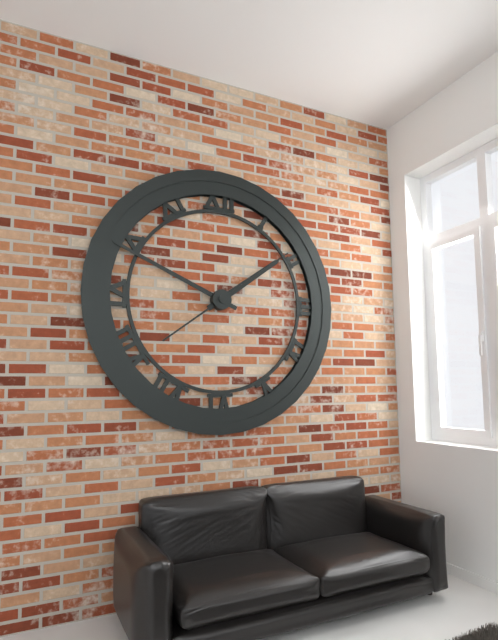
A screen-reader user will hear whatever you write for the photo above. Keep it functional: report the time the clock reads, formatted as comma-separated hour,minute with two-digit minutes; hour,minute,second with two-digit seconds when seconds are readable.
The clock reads 1,49,09
